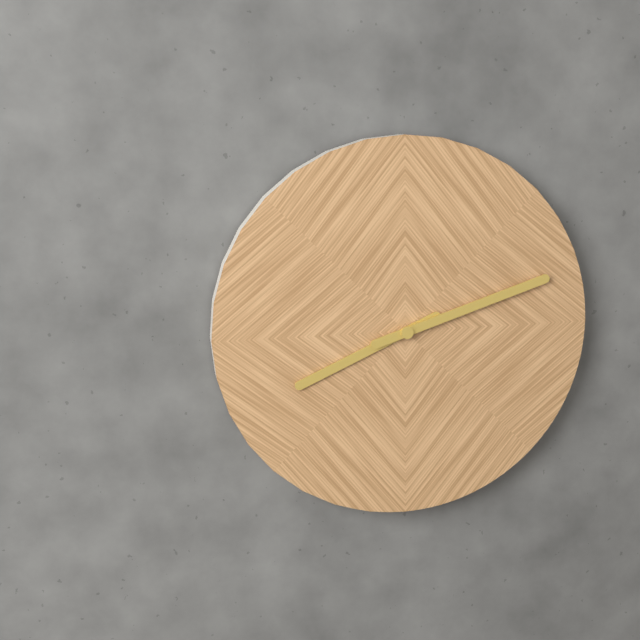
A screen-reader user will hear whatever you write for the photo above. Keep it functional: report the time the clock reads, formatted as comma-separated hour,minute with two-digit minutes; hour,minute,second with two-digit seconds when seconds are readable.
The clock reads 8,12
